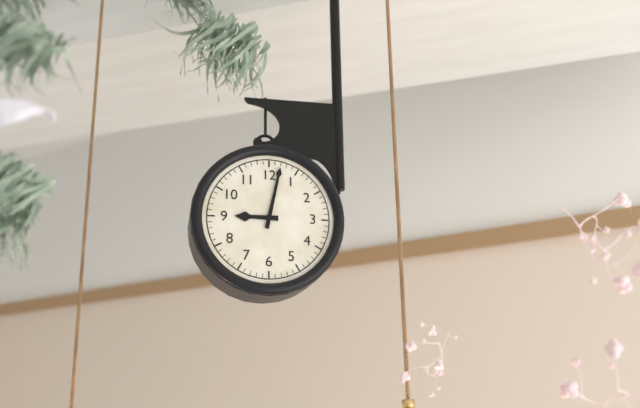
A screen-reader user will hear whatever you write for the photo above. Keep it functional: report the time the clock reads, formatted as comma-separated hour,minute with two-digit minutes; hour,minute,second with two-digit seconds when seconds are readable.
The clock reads 9,02
